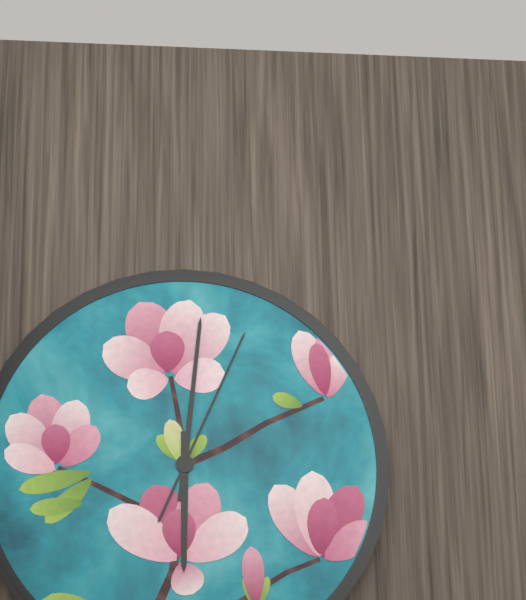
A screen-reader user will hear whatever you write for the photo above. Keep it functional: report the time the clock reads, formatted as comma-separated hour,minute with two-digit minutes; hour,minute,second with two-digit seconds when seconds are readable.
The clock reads 6,01,04
